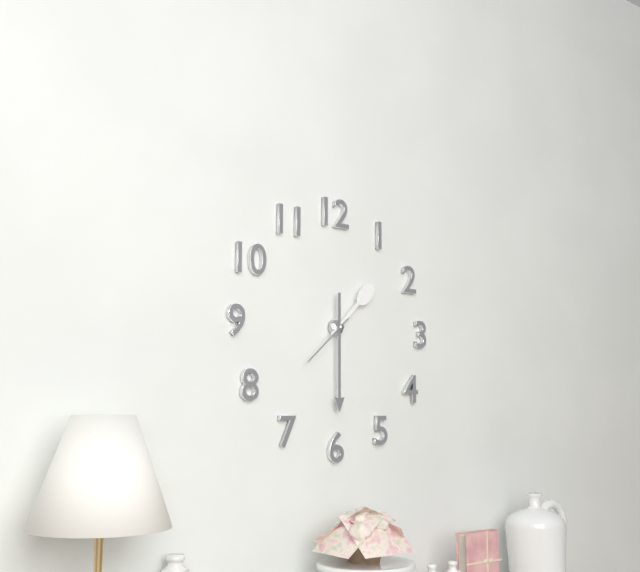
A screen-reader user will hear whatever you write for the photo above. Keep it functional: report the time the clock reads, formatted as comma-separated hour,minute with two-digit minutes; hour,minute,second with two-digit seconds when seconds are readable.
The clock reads 1,30,38
